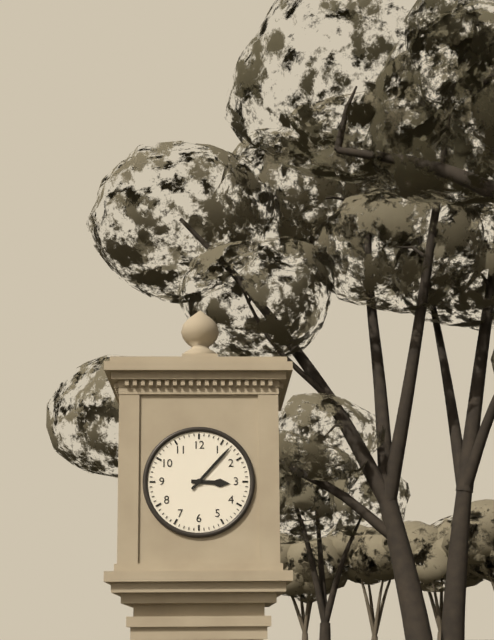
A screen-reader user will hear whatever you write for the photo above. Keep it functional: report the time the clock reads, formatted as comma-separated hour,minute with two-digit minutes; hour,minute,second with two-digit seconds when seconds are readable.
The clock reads 3,07
